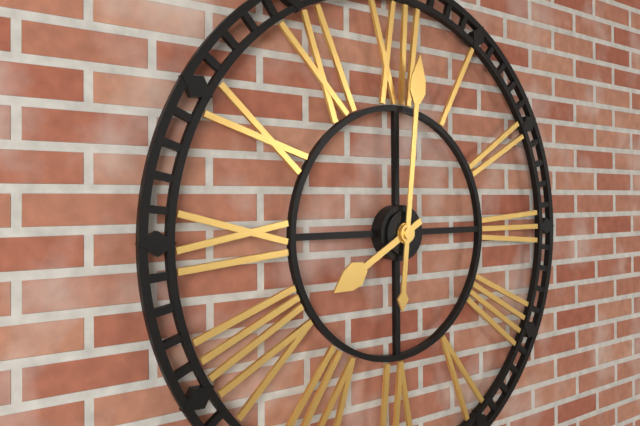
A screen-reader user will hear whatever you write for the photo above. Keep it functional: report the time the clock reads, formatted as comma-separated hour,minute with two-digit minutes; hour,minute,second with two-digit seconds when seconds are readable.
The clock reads 8,01
